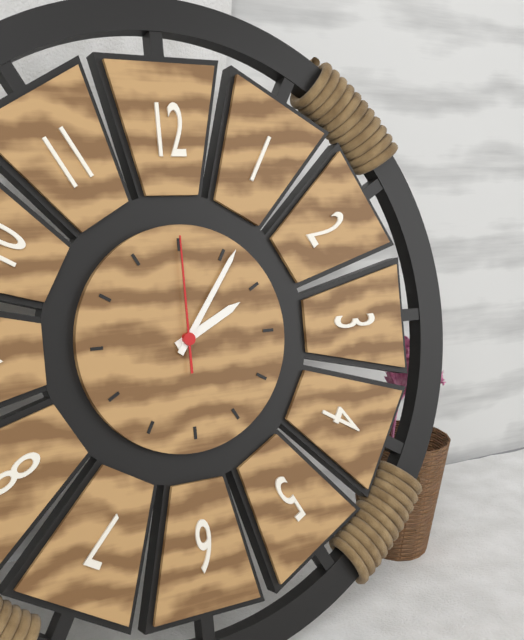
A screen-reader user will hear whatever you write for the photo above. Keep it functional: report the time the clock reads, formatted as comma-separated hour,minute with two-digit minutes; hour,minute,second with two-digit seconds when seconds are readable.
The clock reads 2,06,00
